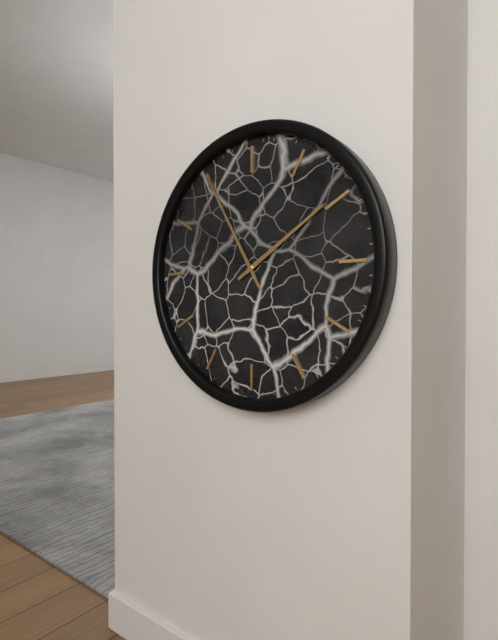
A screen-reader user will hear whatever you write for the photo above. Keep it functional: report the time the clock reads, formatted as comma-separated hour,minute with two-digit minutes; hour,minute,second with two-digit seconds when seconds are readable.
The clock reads 1,55
